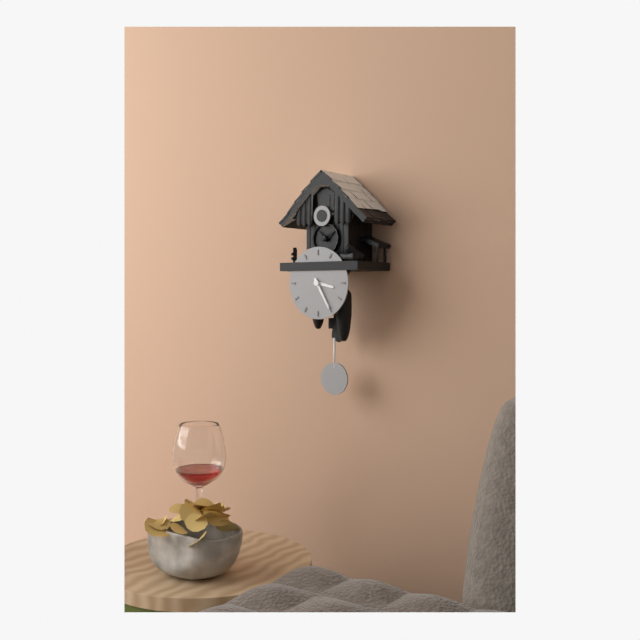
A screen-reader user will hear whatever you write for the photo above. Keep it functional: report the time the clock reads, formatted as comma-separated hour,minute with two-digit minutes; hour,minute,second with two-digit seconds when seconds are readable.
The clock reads 3,25
